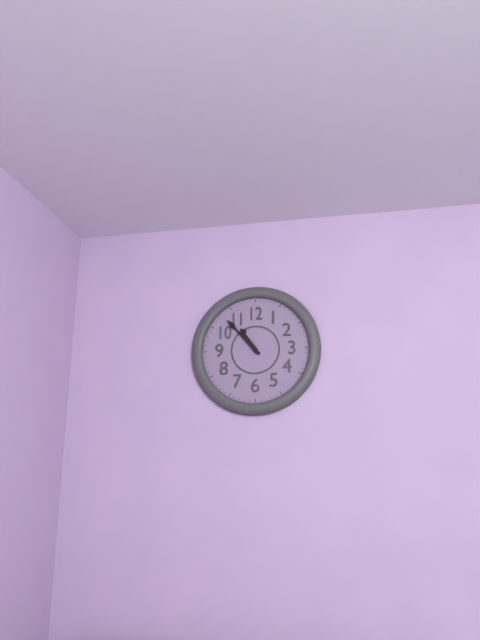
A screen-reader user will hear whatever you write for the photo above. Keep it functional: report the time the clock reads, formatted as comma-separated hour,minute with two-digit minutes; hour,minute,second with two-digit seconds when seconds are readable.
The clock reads 10,53
